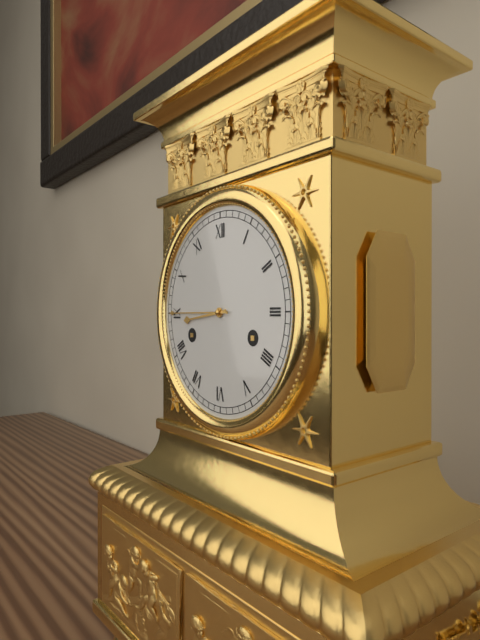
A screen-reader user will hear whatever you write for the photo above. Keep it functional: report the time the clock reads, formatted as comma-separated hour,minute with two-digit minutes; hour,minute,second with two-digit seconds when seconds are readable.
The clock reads 8,45
